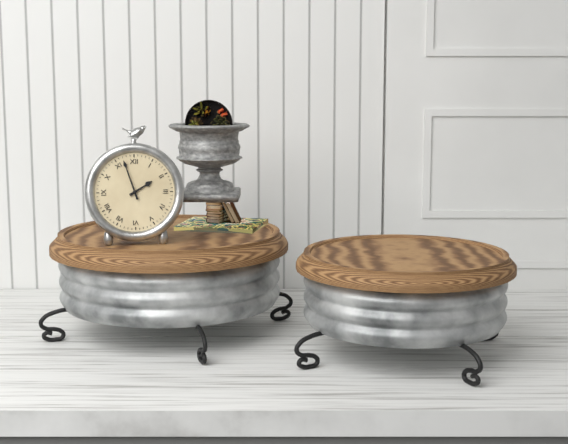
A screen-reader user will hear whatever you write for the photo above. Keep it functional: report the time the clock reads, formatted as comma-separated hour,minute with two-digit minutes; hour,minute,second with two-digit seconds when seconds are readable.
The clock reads 1,57
